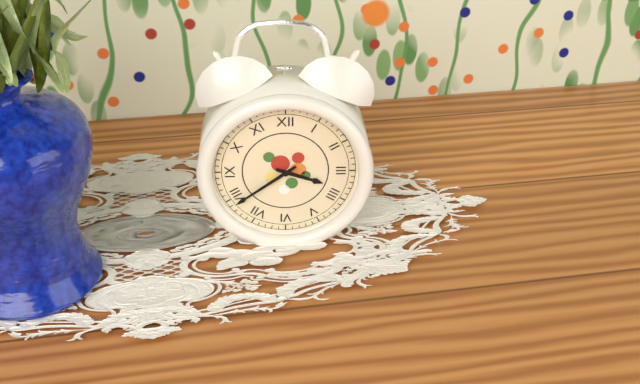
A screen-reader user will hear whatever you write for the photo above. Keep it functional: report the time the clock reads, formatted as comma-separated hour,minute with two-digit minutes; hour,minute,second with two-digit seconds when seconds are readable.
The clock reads 3,39
